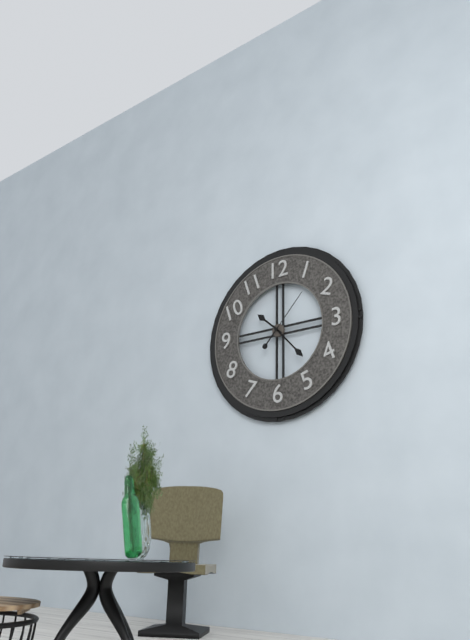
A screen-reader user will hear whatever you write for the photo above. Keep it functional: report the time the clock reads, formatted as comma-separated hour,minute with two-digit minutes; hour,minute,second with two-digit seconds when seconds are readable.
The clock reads 10,23,07
